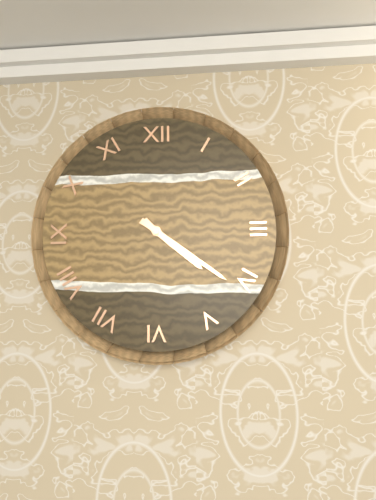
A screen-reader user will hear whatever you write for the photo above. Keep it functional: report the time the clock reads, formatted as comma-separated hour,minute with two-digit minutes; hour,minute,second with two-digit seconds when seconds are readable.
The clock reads 4,21
